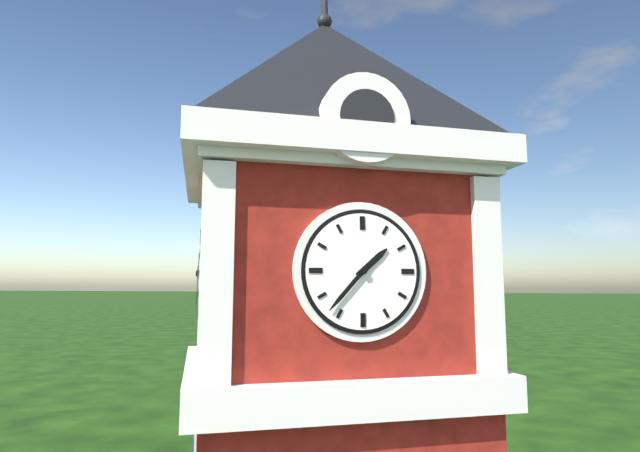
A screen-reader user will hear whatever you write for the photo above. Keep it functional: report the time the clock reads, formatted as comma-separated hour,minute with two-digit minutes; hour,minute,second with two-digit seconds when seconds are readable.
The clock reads 1,37
